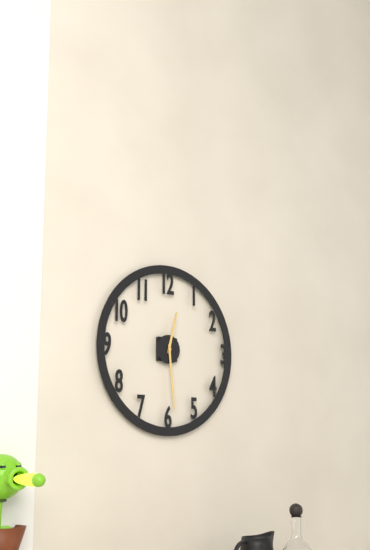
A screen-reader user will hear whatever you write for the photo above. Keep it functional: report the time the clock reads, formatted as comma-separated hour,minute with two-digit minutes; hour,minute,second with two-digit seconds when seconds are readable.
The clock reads 12,29
